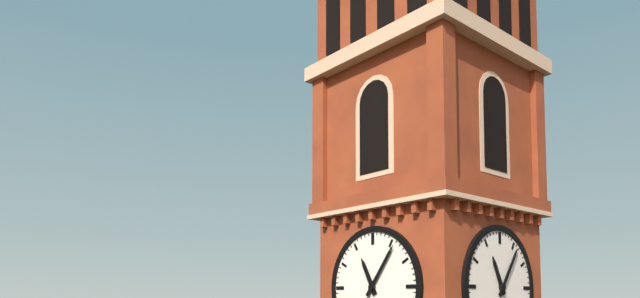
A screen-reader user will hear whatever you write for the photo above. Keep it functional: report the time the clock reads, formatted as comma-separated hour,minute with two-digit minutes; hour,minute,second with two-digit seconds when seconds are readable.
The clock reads 11,06
